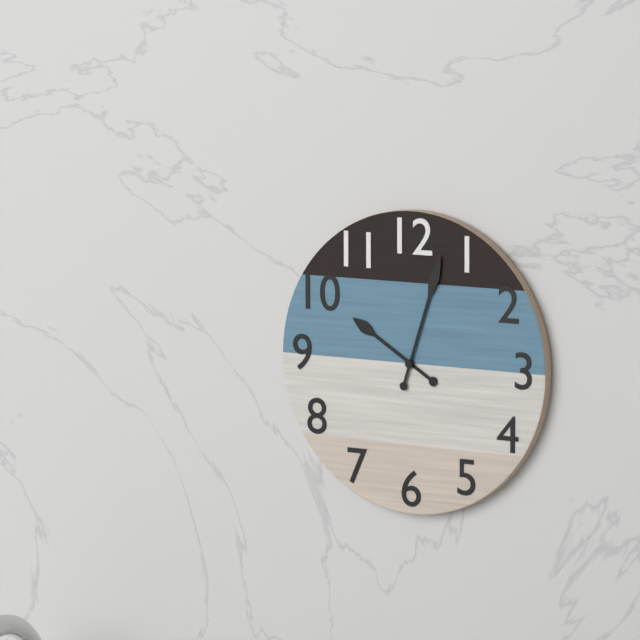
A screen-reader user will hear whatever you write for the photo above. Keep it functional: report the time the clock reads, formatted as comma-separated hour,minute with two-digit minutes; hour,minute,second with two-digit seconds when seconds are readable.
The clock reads 10,03
